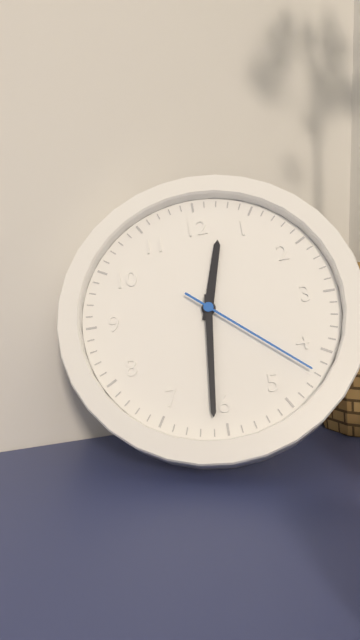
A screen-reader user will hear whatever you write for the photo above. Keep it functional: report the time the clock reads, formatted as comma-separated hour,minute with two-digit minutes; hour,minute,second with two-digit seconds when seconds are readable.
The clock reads 12,31,22
